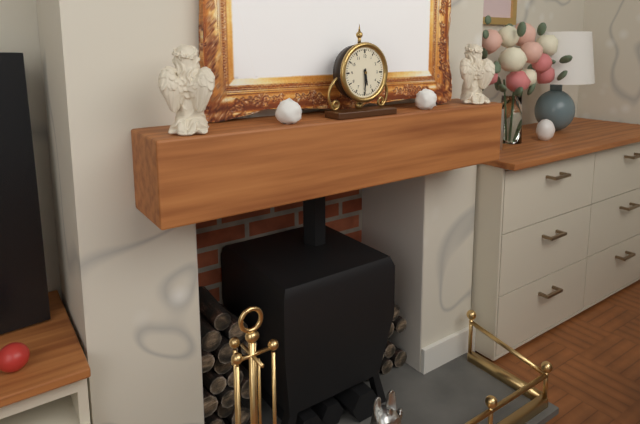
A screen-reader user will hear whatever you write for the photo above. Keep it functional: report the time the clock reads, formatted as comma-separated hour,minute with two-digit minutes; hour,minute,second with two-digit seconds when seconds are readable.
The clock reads 5,30
